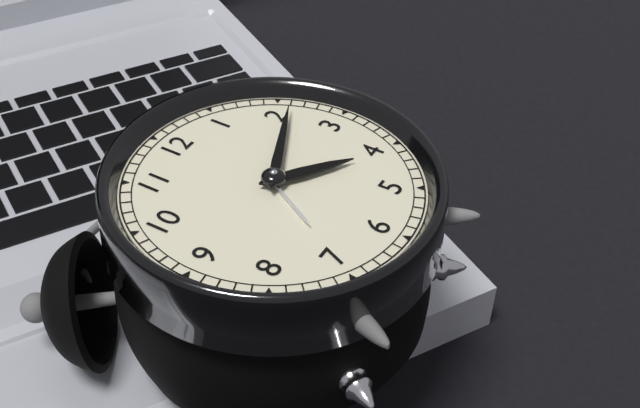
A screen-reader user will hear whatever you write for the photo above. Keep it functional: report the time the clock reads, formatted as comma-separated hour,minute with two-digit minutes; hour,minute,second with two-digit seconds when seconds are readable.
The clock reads 4,11
